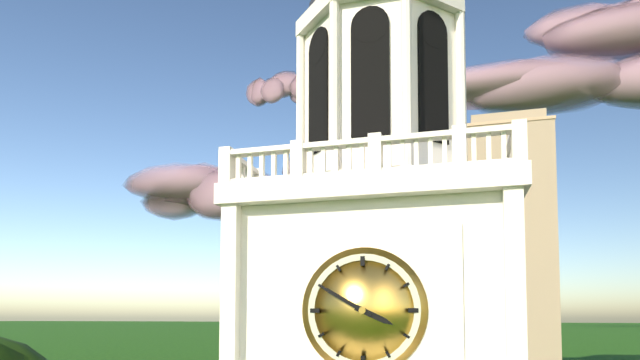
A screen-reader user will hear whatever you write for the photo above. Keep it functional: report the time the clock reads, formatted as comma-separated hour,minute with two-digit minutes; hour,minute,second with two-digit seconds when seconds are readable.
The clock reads 3,50
